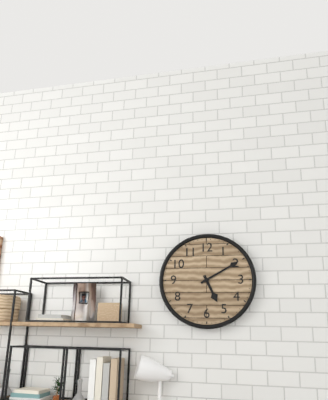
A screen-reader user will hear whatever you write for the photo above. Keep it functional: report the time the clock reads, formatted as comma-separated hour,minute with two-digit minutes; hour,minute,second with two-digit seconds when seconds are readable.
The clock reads 5,10
